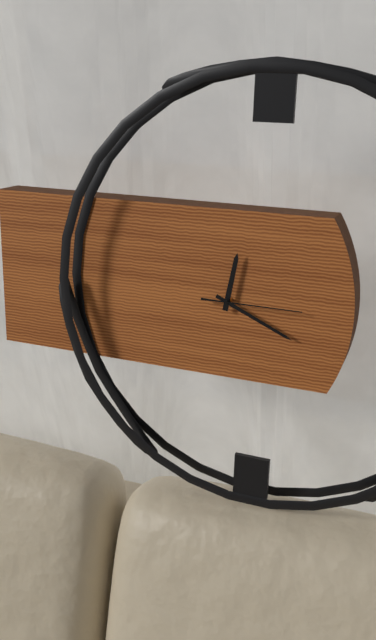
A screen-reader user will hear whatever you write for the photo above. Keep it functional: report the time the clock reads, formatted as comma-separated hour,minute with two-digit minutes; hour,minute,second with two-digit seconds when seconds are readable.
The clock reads 12,19,15
